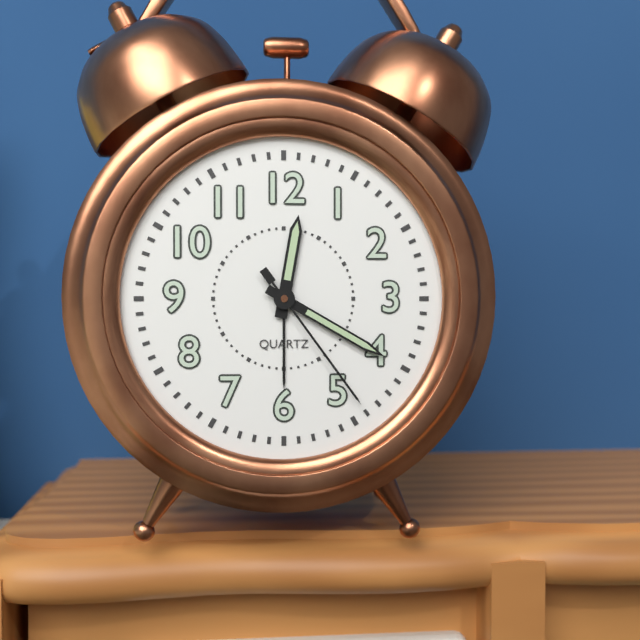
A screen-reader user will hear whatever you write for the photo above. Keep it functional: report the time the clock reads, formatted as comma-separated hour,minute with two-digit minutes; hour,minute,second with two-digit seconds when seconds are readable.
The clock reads 12,20,24
